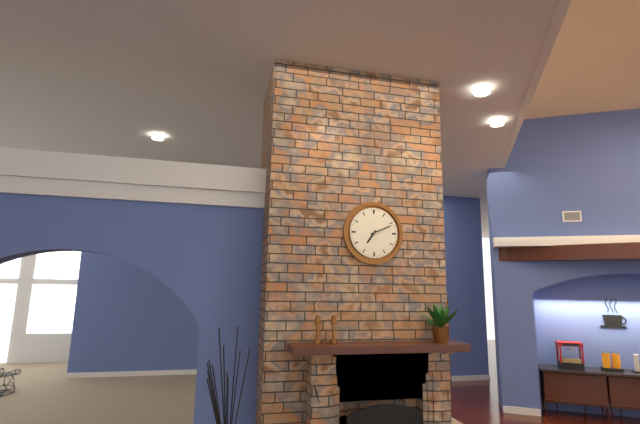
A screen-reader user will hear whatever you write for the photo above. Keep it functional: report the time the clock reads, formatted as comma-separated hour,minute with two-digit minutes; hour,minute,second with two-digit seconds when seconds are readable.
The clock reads 7,11
